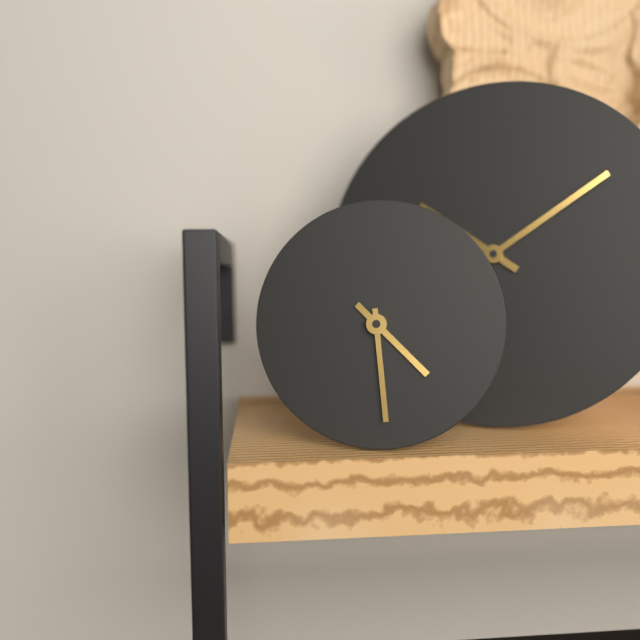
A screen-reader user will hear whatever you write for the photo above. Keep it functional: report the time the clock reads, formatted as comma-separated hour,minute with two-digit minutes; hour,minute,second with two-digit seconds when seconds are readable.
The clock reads 4,29
